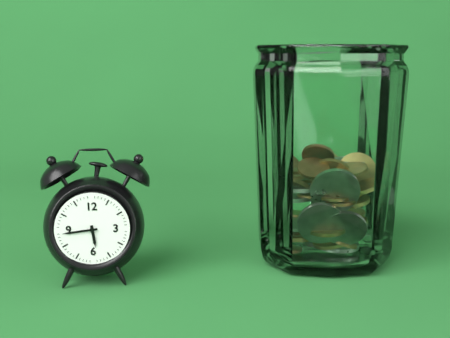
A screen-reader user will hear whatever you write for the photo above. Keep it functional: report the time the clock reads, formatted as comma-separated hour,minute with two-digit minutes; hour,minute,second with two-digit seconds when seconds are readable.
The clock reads 5,44
